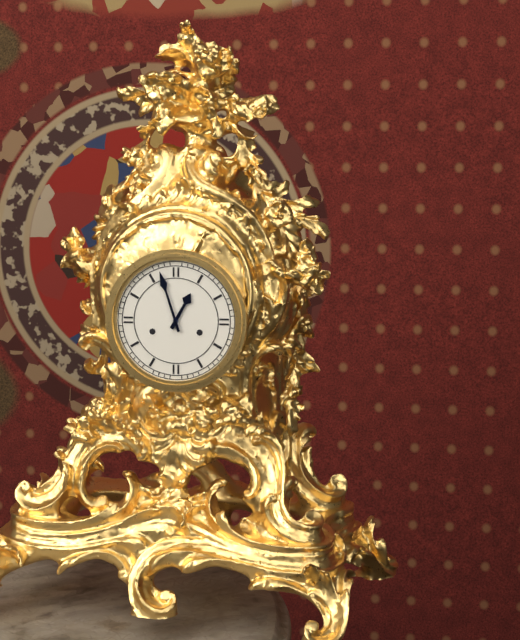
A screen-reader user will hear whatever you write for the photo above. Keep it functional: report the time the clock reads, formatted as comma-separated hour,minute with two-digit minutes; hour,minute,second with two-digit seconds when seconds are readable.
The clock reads 12,57
